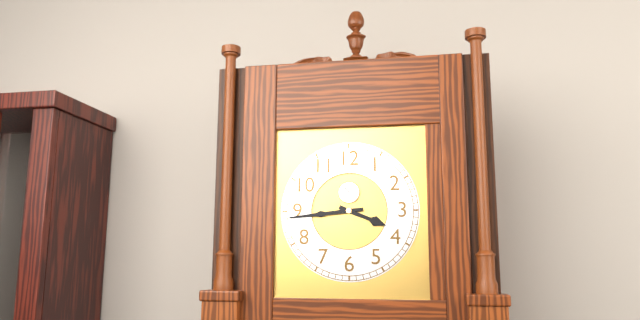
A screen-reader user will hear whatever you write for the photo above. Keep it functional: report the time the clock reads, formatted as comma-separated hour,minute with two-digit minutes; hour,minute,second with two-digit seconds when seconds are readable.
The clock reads 3,44
